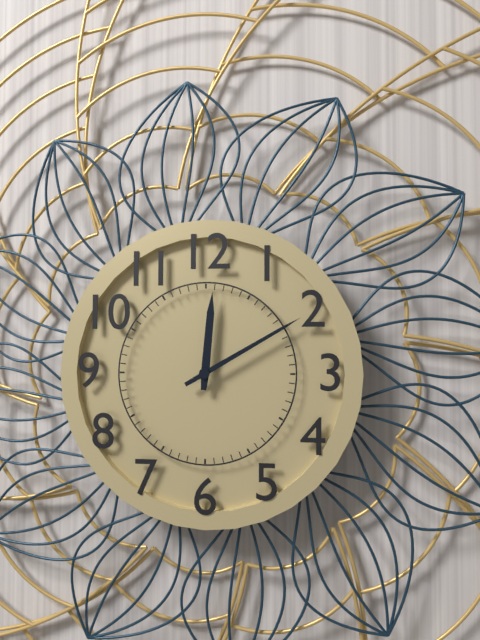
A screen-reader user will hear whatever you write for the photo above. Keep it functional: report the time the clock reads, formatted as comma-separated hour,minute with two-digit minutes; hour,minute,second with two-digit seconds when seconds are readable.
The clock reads 12,10
